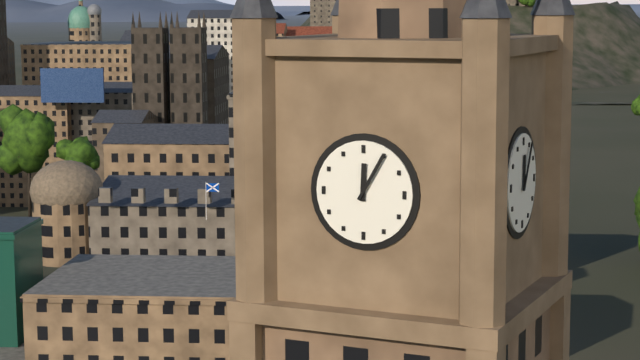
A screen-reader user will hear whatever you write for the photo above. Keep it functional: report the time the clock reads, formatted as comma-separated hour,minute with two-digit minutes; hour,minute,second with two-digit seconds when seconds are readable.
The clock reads 12,05
